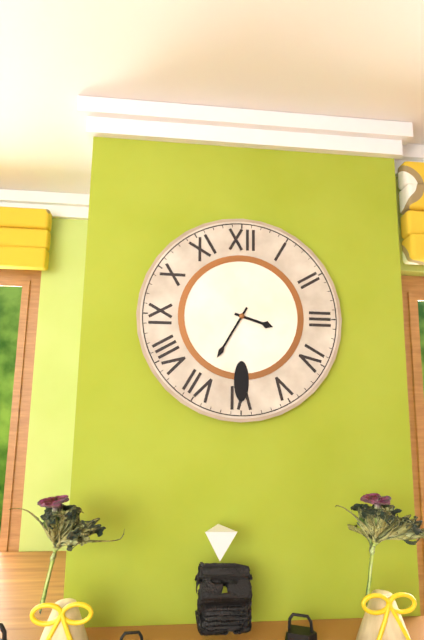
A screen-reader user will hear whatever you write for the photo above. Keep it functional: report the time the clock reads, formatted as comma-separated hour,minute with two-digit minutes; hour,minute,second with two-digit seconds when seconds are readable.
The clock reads 3,35
